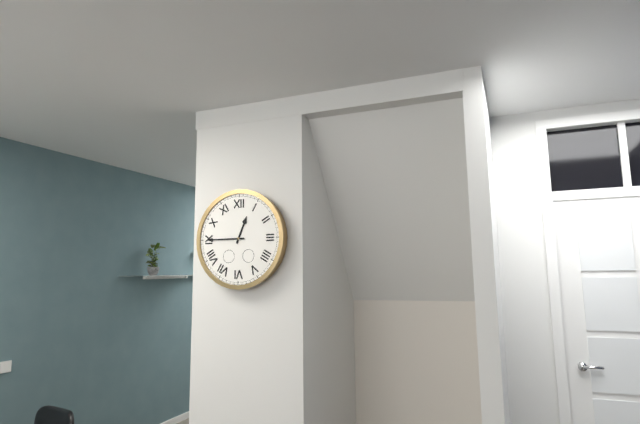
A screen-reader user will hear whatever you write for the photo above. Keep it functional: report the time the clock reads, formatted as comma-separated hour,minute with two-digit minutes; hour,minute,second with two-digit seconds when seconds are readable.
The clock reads 12,45
